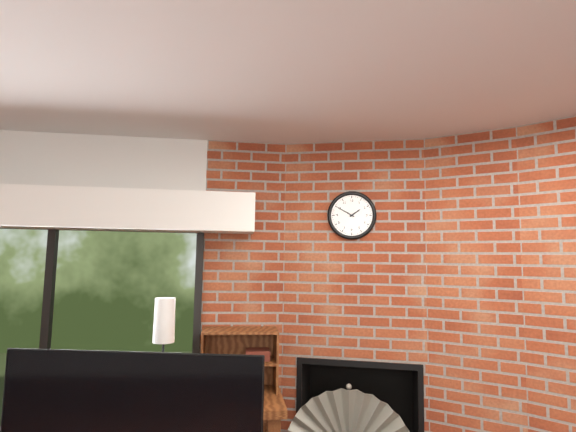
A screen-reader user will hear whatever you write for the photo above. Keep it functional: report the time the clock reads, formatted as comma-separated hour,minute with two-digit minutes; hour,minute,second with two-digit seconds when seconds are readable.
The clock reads 1,50
